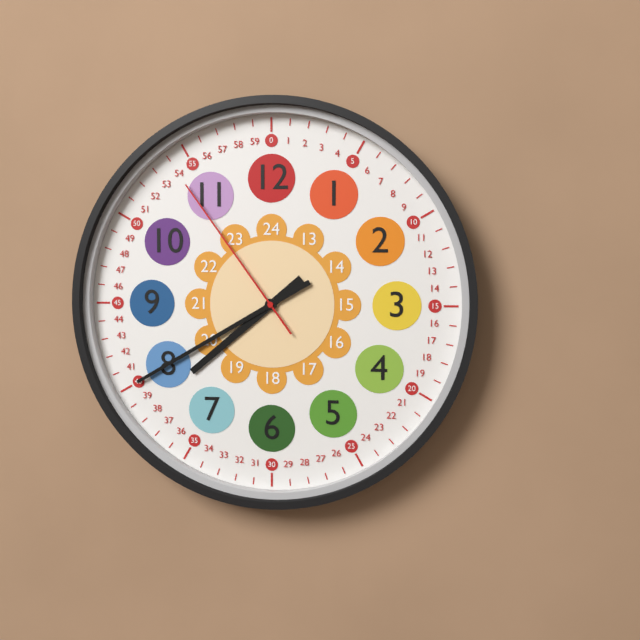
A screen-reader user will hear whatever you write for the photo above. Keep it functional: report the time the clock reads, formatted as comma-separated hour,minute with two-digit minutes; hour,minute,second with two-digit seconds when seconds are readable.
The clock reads 7,40,54
